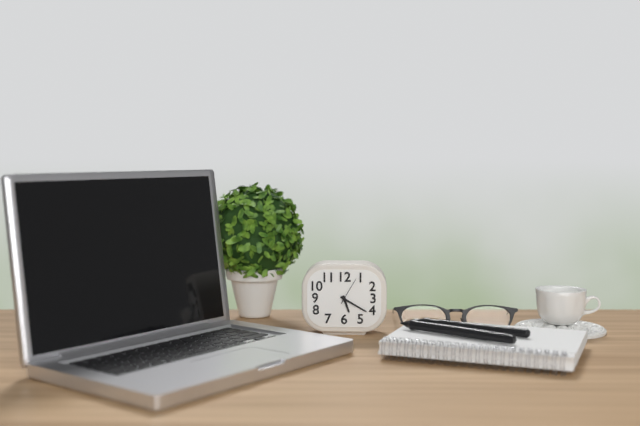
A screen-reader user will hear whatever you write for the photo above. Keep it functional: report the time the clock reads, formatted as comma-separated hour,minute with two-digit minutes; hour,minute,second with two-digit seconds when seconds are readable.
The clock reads 5,20
